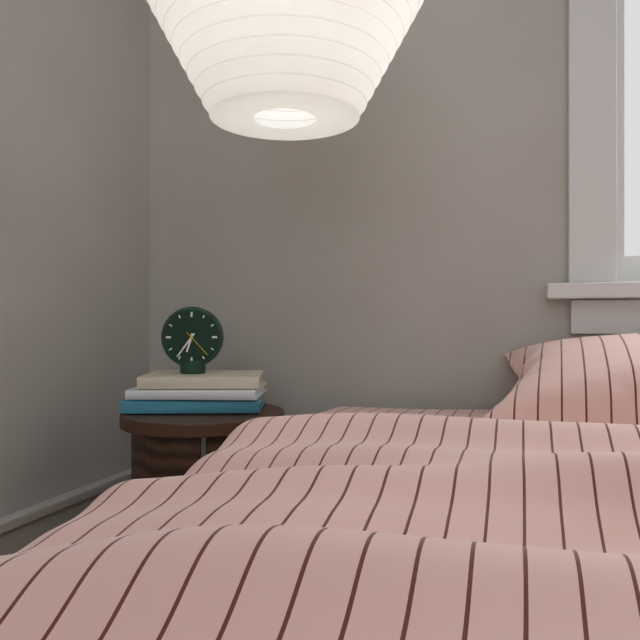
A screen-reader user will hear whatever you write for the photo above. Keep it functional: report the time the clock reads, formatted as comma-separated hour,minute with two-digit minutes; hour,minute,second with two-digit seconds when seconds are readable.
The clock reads 6,36
